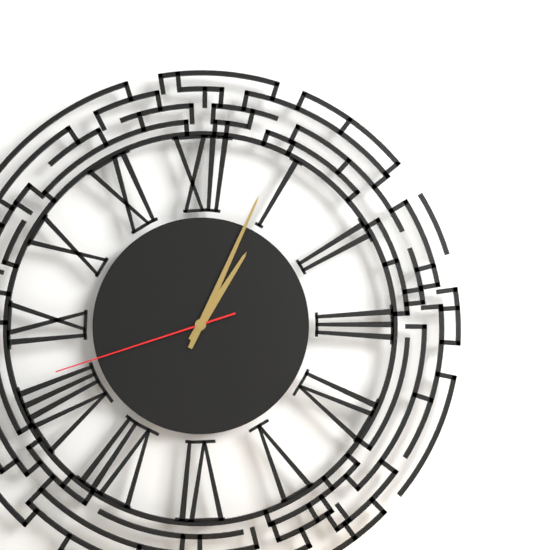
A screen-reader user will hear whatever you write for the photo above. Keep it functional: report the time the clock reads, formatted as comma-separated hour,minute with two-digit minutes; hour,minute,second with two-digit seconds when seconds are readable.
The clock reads 1,04,42
